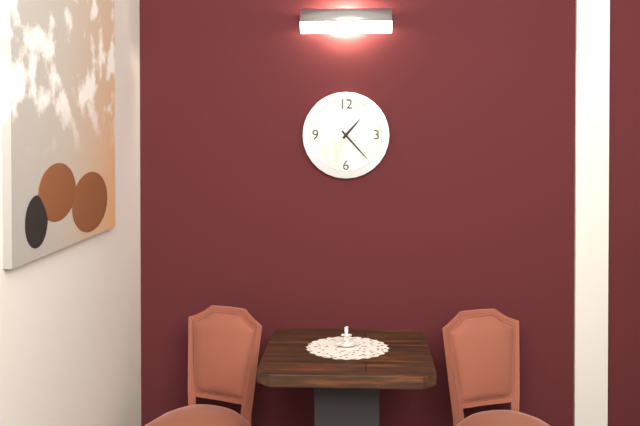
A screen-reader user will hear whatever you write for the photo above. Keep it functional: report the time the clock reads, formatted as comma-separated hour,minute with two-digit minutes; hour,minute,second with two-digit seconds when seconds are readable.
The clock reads 1,23
